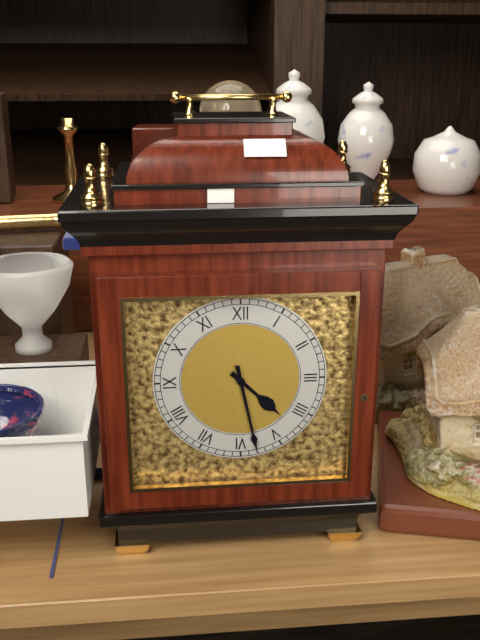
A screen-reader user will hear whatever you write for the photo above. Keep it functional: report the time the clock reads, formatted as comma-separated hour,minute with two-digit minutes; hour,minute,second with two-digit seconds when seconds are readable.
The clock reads 4,28
